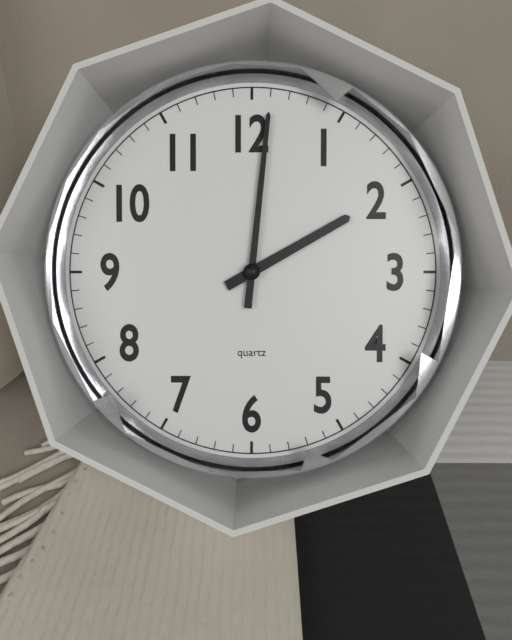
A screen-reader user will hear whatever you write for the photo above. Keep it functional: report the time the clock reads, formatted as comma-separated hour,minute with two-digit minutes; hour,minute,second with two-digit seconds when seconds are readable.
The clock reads 2,01
